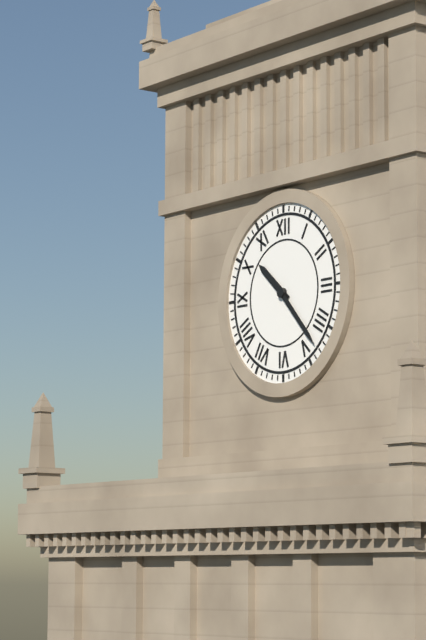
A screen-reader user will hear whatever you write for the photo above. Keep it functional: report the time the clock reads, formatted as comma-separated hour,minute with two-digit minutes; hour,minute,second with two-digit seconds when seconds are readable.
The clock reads 10,23
